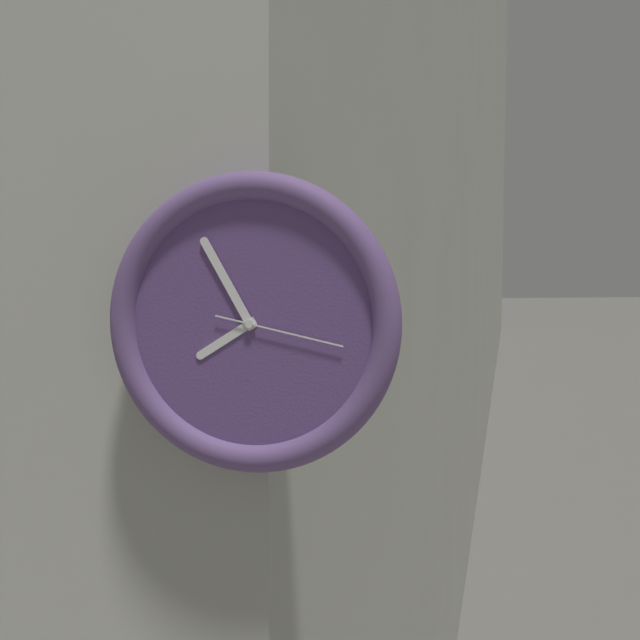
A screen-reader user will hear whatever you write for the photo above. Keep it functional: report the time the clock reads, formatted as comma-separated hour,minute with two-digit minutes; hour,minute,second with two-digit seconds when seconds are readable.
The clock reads 7,55,17
